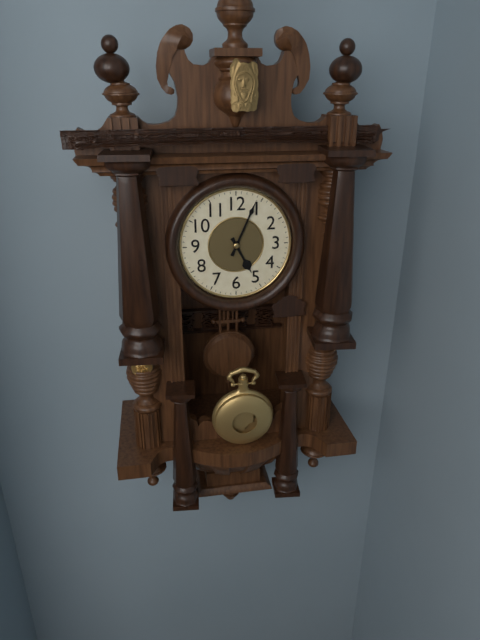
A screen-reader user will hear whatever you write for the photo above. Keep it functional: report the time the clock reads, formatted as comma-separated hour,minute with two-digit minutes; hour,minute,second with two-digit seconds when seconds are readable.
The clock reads 5,04
